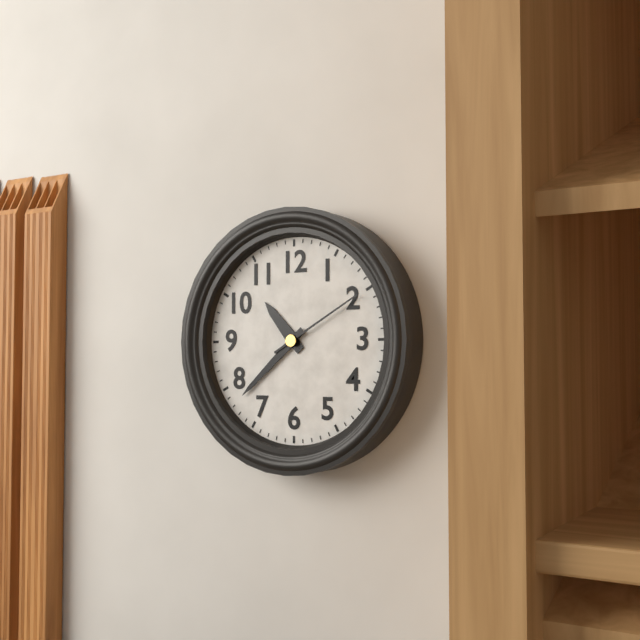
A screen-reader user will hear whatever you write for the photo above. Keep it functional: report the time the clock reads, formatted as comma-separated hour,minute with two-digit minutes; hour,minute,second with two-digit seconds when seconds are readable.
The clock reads 10,38,10
